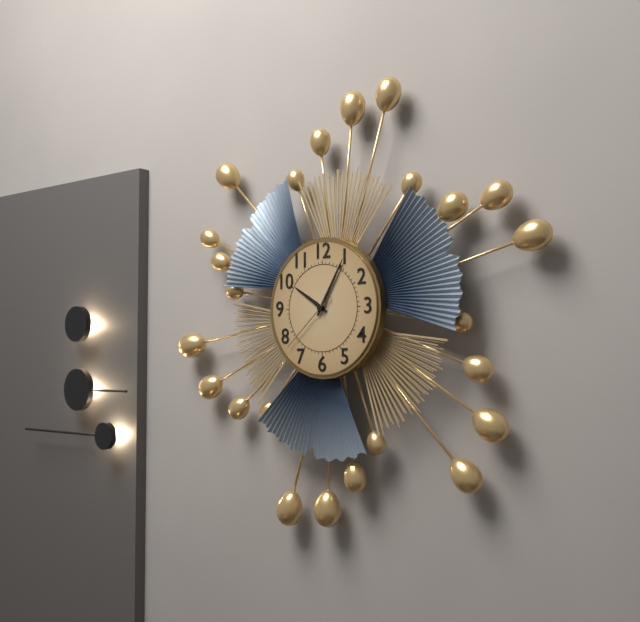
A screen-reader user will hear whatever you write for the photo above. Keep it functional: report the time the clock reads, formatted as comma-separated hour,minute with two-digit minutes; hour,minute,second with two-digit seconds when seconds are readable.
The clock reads 10,05,38
